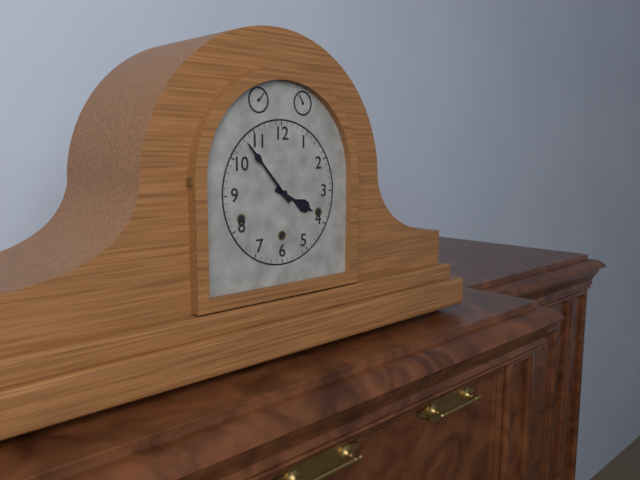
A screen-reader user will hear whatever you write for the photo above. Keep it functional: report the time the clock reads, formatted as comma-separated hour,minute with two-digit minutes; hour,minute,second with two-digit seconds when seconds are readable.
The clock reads 3,53
